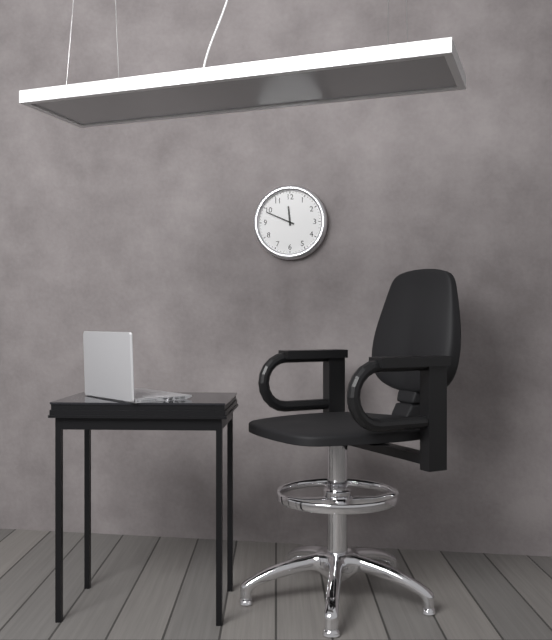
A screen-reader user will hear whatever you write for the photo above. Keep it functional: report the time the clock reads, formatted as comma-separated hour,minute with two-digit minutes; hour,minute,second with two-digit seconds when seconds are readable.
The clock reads 11,49
